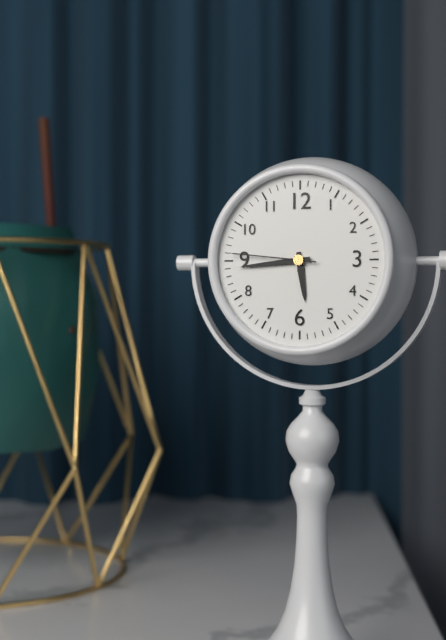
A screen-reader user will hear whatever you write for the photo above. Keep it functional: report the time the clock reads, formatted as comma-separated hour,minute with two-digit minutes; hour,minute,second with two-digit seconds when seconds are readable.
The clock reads 5,44,46
